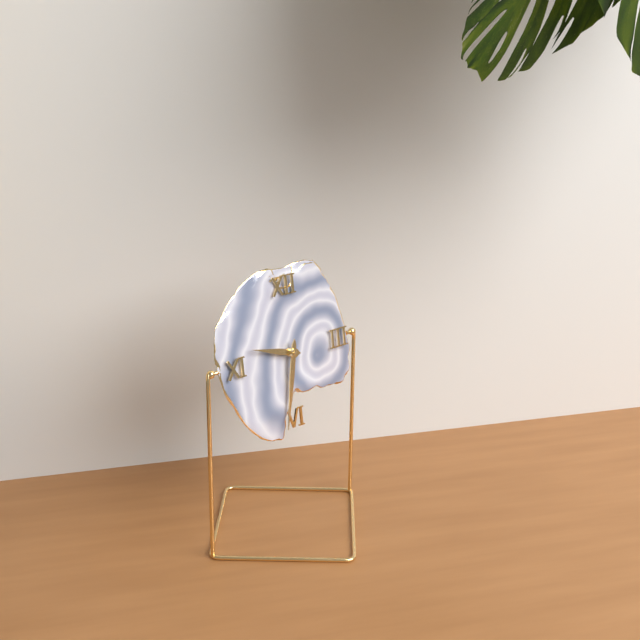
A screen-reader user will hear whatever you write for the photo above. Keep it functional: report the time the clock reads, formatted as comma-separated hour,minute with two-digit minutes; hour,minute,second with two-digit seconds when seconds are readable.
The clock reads 9,32
